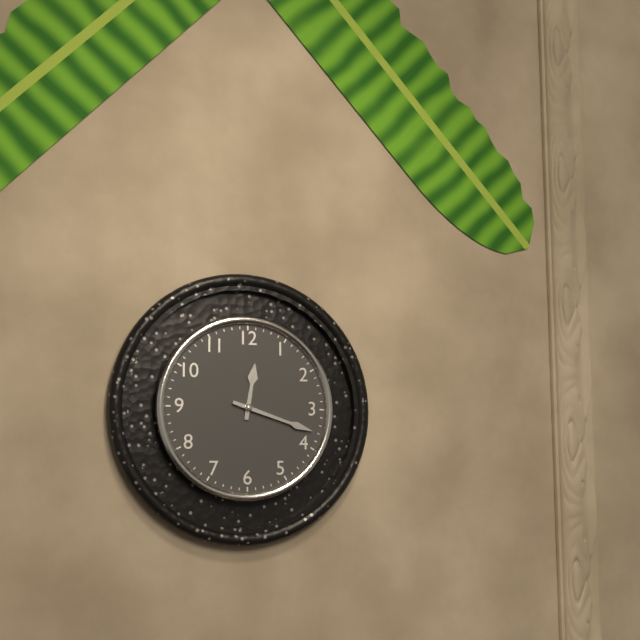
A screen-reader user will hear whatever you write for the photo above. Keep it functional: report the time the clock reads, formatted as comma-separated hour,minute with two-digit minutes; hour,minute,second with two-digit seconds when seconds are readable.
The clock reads 12,18
